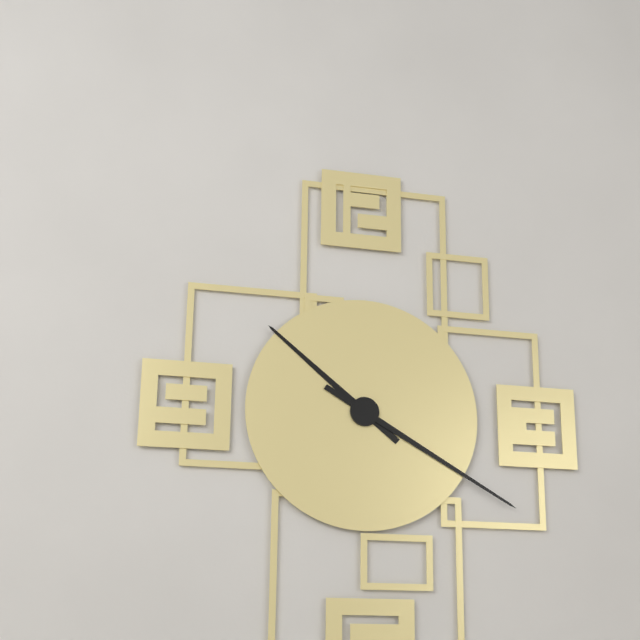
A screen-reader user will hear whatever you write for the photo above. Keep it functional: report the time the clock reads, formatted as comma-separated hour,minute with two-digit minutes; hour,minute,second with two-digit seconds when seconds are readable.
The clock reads 10,20
